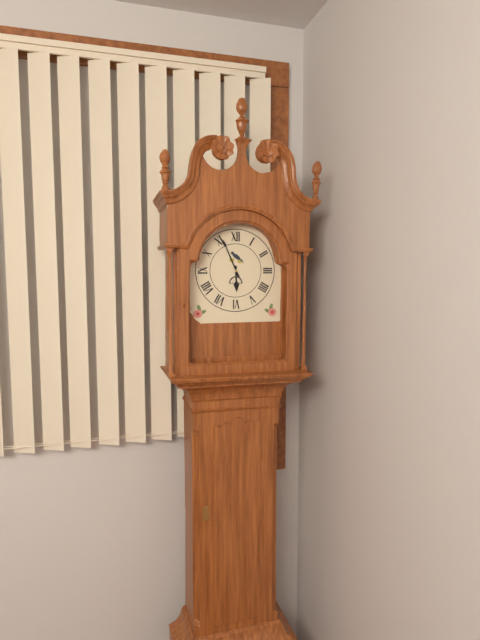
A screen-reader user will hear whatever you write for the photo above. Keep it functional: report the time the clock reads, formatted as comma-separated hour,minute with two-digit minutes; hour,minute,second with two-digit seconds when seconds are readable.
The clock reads 5,56
